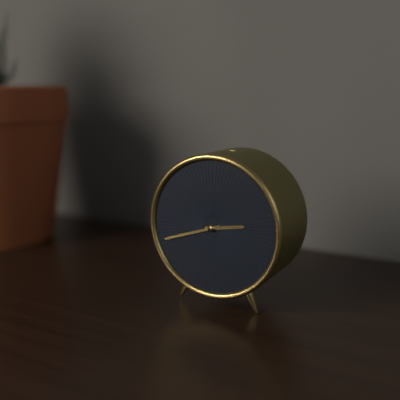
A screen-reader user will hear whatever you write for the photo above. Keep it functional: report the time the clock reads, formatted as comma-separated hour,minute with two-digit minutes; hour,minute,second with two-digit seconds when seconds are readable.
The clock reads 2,42
